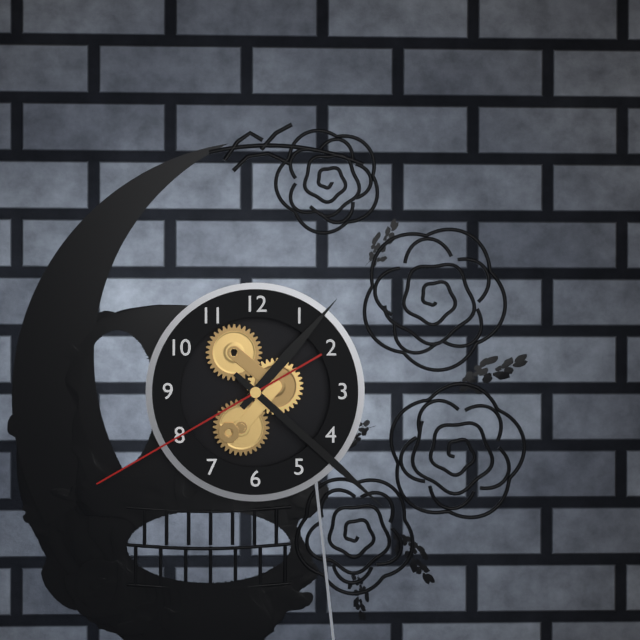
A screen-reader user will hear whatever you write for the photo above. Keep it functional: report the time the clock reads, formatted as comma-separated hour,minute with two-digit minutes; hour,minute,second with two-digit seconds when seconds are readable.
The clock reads 1,22,40
